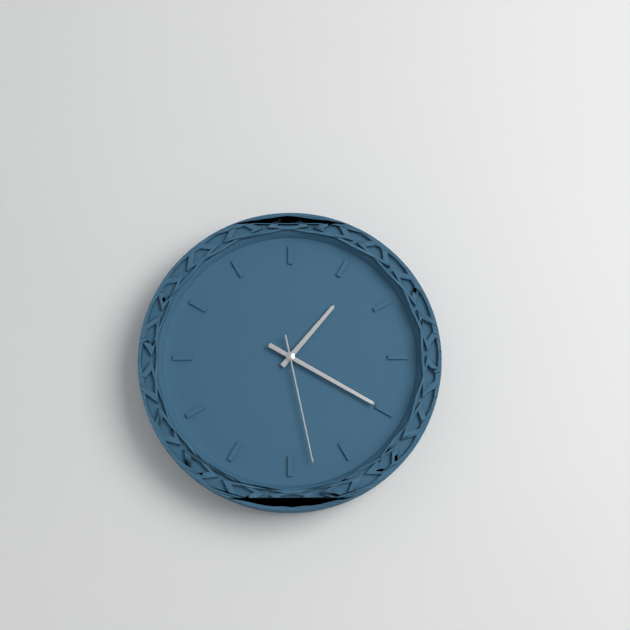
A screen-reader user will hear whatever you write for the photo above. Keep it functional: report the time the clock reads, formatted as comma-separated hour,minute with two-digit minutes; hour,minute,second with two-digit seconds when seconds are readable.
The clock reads 1,20,28
